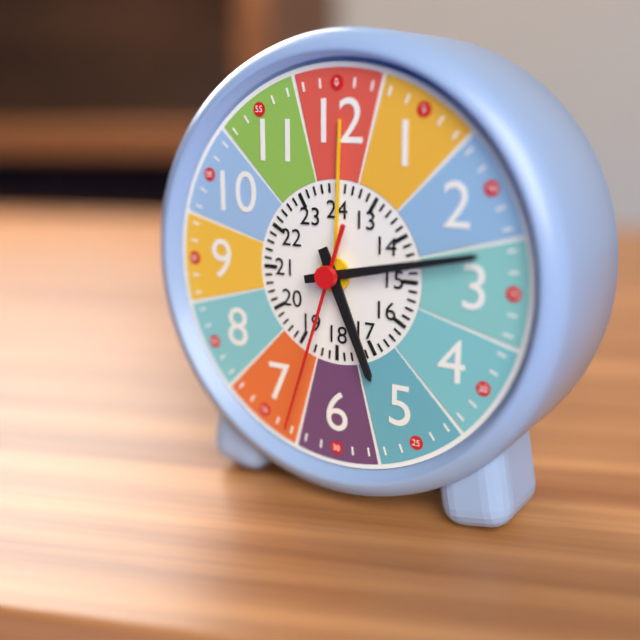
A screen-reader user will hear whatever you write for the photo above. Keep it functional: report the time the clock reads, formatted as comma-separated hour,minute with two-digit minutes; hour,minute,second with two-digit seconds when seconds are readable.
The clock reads 5,13,33
